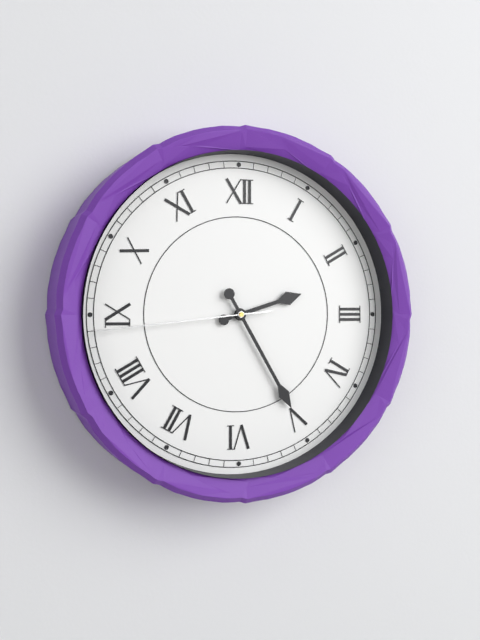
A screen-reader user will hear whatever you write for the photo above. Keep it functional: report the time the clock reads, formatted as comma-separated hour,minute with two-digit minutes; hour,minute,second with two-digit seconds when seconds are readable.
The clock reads 2,25,44
